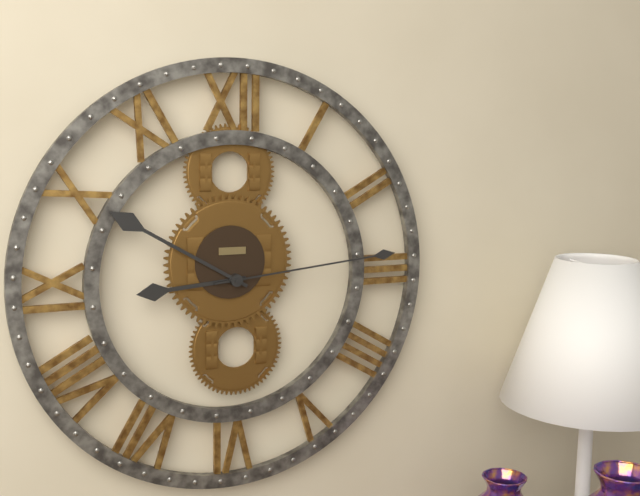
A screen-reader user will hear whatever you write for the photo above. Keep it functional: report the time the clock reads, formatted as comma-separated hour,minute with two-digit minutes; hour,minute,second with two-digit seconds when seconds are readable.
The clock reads 8,50,14
